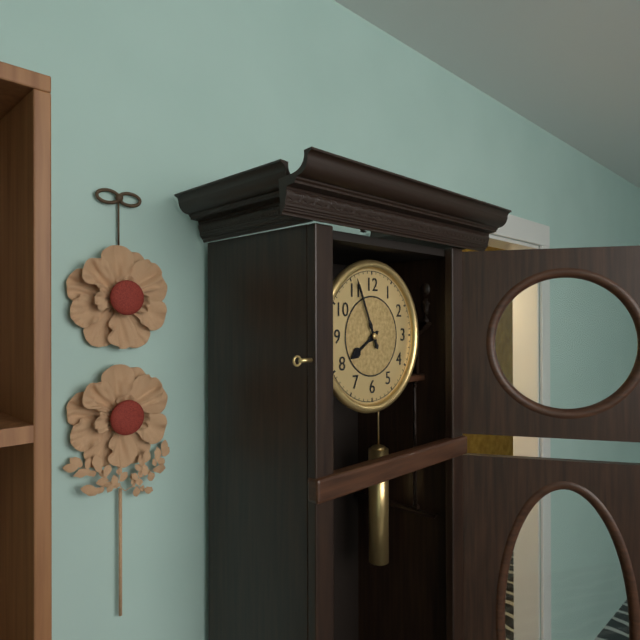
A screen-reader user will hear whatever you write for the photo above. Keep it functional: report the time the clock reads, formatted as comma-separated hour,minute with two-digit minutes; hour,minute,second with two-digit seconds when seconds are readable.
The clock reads 7,56
